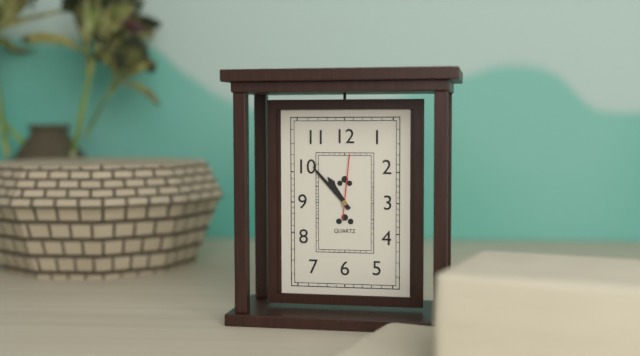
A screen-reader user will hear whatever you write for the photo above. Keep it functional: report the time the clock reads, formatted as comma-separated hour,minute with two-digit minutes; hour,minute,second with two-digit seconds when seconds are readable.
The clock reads 10,53,01
